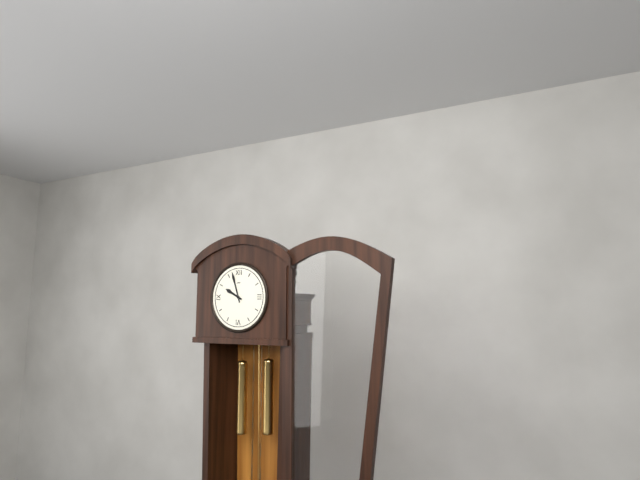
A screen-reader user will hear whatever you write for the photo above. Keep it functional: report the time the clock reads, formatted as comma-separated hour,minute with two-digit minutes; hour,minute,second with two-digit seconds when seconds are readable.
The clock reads 9,57
